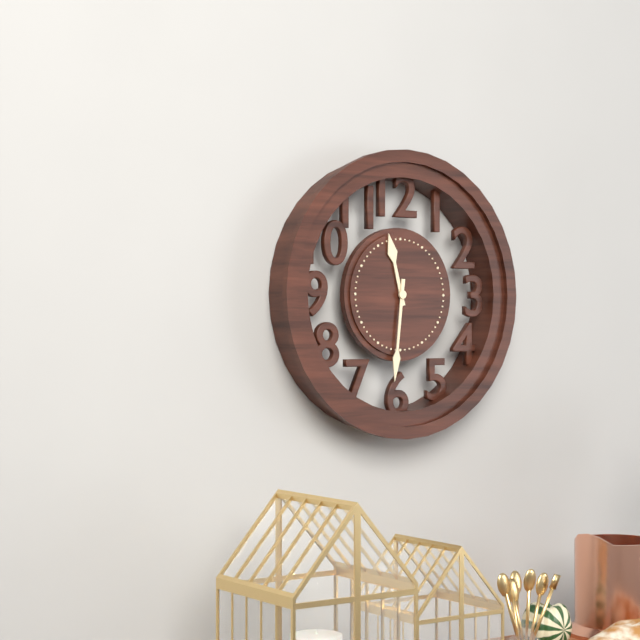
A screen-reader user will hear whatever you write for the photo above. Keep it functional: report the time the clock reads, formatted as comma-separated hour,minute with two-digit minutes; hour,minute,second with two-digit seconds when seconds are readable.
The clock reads 11,31
